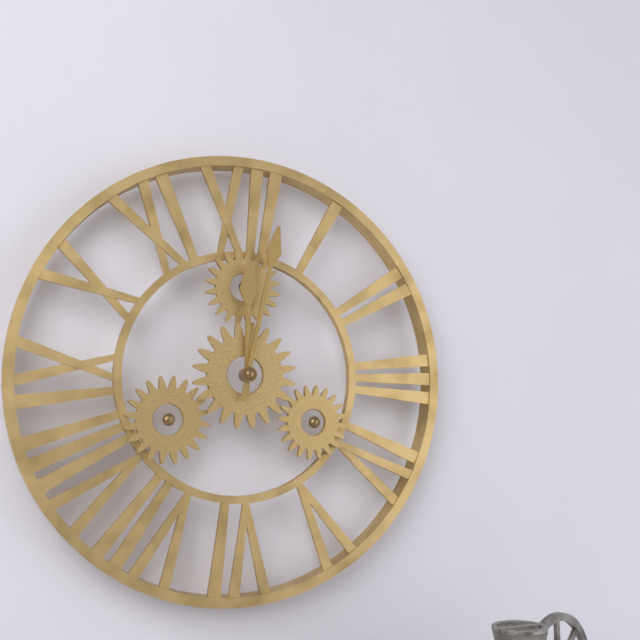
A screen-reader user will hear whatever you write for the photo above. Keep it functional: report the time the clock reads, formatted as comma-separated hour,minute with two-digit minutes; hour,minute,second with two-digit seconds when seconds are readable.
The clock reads 12,02
